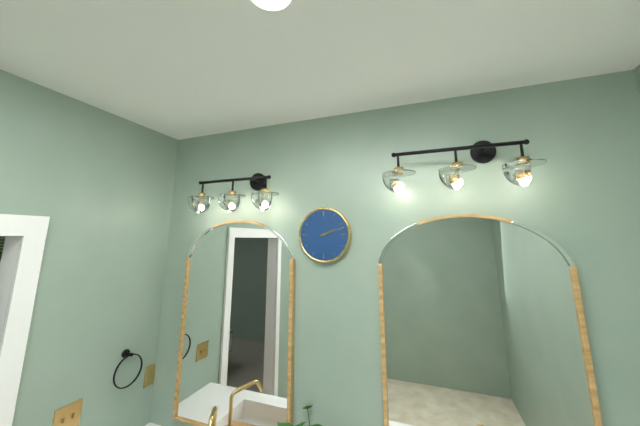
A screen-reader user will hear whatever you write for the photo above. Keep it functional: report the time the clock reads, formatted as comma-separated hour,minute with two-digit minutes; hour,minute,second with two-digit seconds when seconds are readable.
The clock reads 2,12
